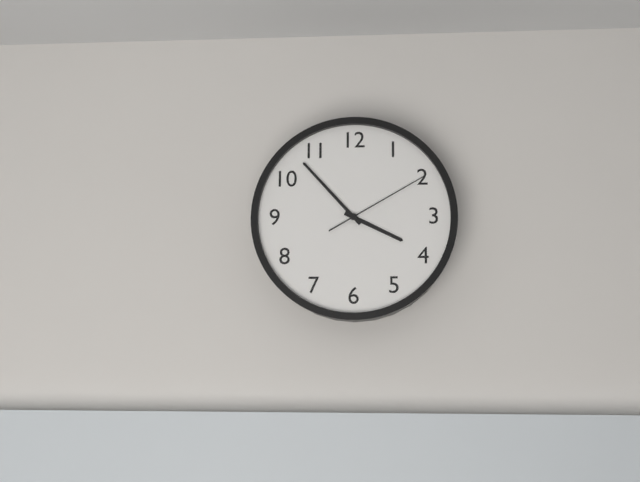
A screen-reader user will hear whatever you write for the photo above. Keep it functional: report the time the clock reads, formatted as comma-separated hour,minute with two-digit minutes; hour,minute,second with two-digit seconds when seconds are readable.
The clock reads 3,53,10
